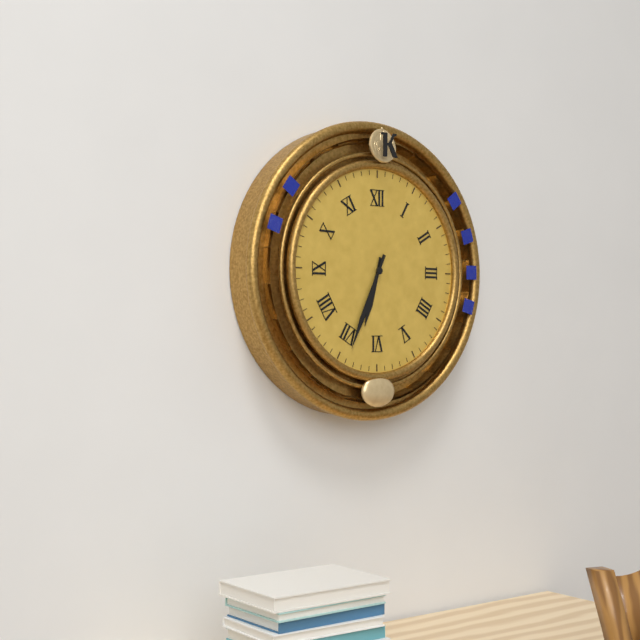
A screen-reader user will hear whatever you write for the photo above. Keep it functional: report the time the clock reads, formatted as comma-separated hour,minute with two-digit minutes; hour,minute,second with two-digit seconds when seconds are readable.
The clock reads 6,34
